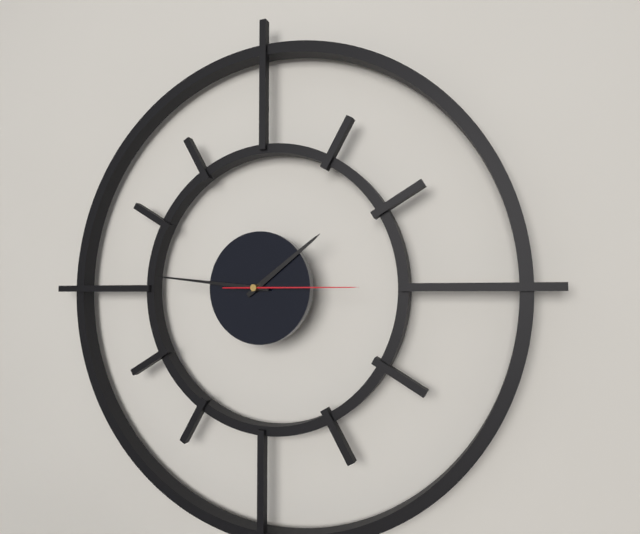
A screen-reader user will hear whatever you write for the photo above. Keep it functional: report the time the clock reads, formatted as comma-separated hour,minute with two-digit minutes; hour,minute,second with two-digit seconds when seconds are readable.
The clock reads 1,46,15
